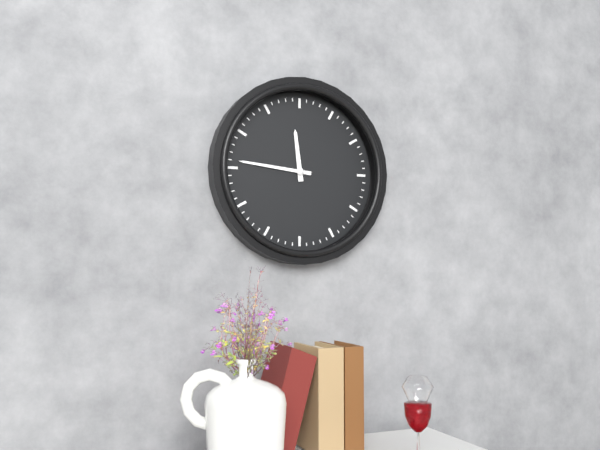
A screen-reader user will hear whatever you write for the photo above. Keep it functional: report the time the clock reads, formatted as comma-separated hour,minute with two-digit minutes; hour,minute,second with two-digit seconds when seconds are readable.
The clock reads 11,46
